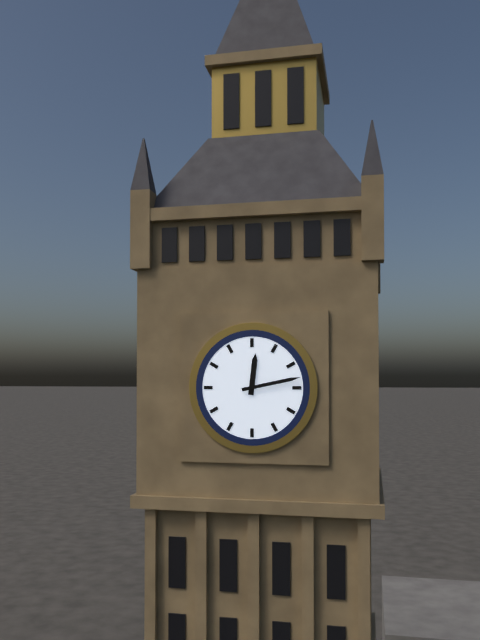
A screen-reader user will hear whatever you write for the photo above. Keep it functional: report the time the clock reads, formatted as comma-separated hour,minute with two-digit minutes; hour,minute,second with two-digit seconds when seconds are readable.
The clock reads 12,13
